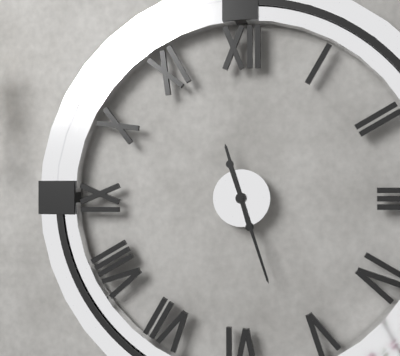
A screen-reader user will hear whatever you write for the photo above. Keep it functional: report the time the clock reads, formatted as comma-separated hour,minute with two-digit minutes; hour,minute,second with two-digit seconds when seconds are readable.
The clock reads 11,27
